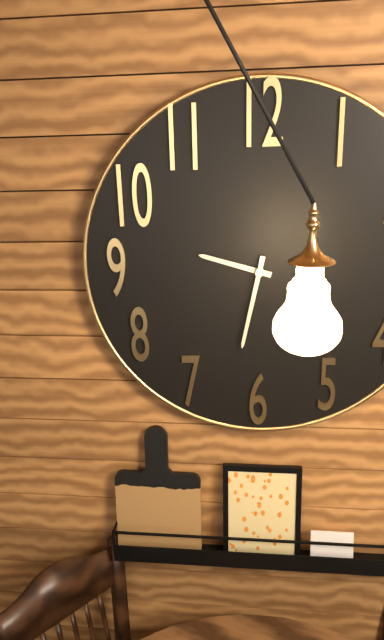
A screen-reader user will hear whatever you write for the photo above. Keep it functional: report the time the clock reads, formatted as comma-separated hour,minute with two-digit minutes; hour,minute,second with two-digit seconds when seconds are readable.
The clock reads 9,32
